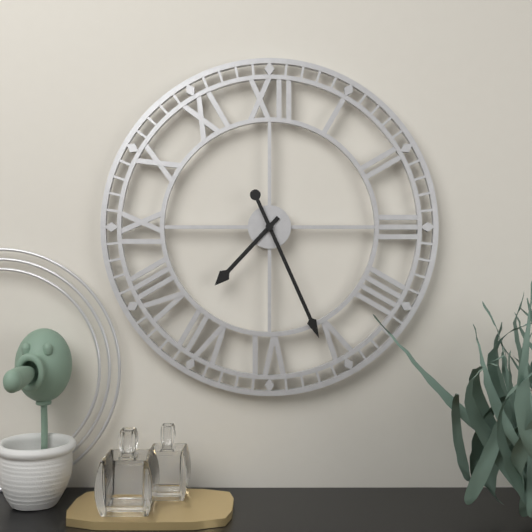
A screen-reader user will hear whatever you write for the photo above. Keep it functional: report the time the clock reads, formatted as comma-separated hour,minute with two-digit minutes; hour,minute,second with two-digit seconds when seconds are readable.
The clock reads 7,26
